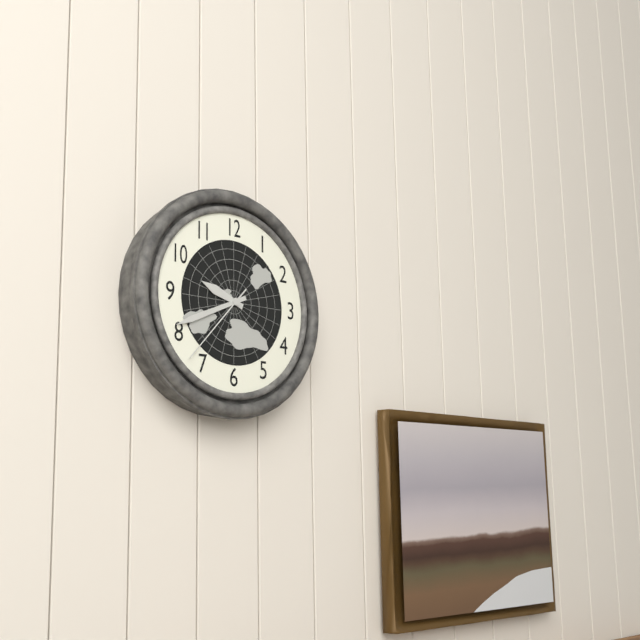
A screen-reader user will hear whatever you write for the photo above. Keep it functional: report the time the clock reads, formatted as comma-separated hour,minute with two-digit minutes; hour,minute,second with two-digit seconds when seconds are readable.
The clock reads 9,41,37
